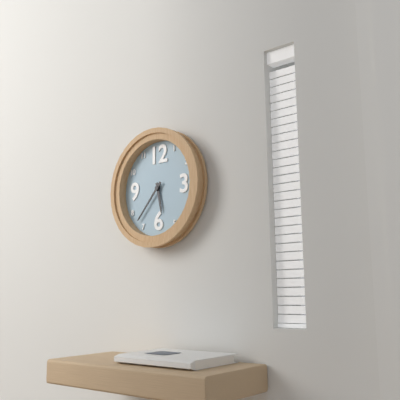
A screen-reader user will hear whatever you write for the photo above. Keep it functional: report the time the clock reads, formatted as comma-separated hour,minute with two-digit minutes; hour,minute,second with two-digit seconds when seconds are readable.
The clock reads 5,37
